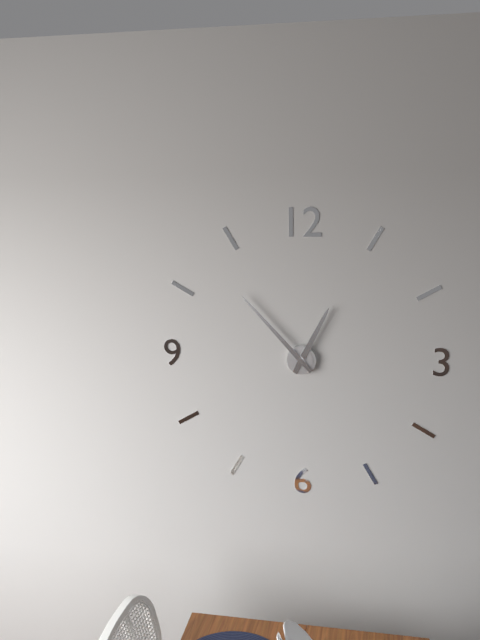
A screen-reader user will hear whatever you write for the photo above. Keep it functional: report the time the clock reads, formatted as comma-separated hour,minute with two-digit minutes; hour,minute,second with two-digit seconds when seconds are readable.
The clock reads 12,53
